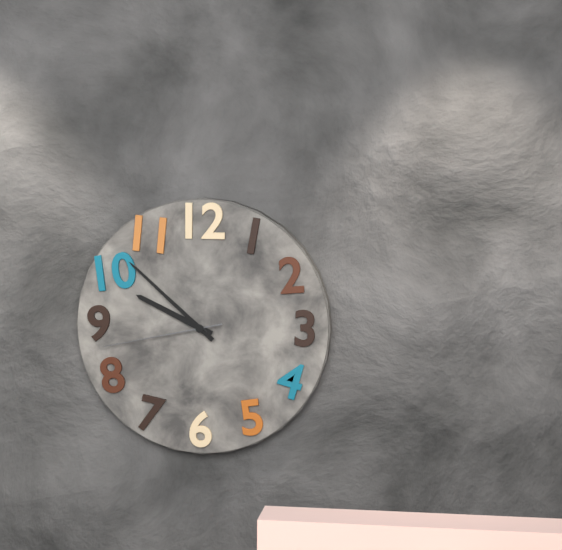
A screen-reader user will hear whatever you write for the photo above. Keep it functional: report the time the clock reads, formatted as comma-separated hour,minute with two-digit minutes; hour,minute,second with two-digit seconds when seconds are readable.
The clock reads 9,52,43
